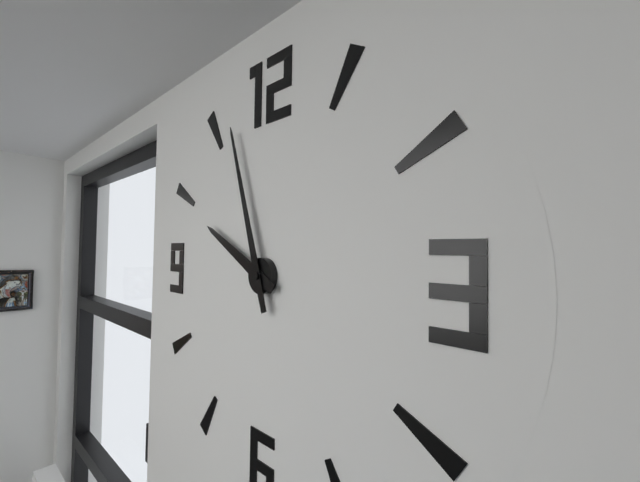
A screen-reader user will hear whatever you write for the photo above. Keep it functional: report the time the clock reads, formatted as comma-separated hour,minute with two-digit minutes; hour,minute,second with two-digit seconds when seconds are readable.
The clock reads 9,57
